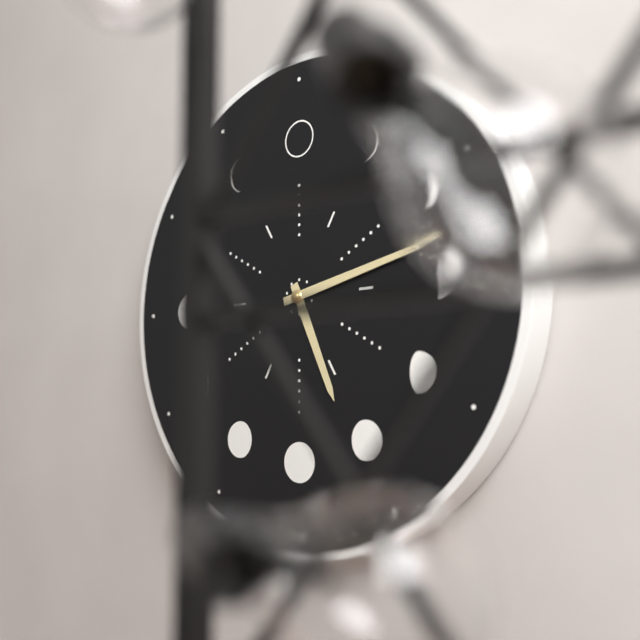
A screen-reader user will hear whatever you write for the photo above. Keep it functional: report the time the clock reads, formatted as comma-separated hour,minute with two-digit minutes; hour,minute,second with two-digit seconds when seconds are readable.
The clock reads 5,13
